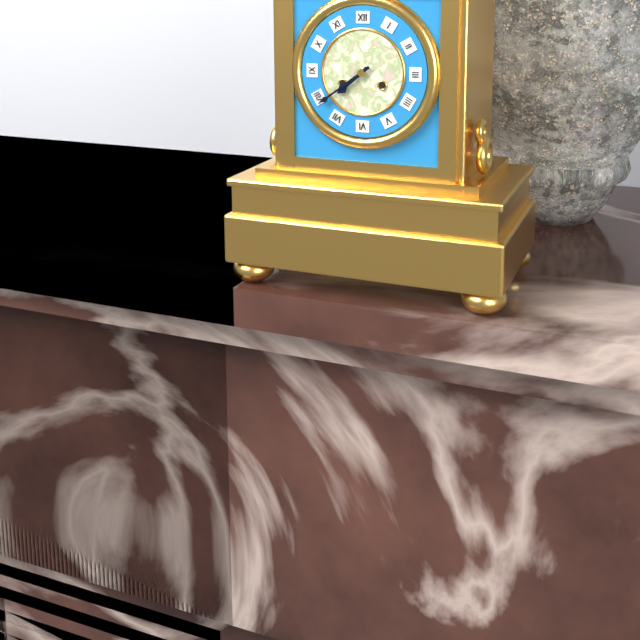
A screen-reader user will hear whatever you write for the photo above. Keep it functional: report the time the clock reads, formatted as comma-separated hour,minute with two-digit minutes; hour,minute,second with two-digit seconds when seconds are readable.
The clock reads 7,39
